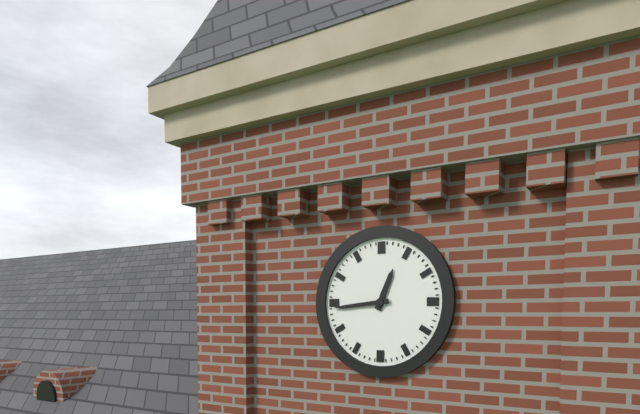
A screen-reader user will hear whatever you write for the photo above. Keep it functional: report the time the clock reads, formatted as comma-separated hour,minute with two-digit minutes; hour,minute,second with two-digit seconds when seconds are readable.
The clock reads 12,44
